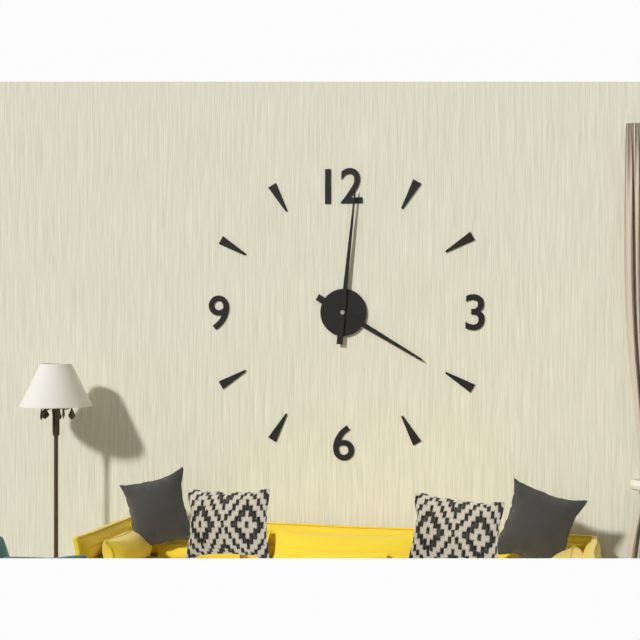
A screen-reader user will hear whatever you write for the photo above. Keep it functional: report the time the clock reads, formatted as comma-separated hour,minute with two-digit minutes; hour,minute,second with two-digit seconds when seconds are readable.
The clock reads 4,01
